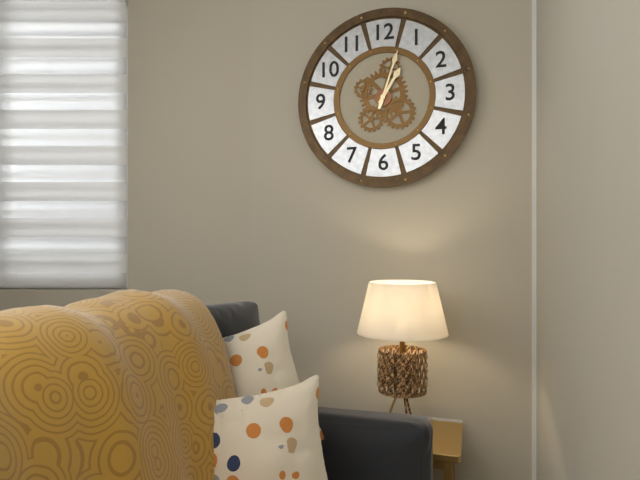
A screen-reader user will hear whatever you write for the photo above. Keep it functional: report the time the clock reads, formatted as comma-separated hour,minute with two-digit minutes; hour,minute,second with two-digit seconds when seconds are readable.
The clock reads 1,03
